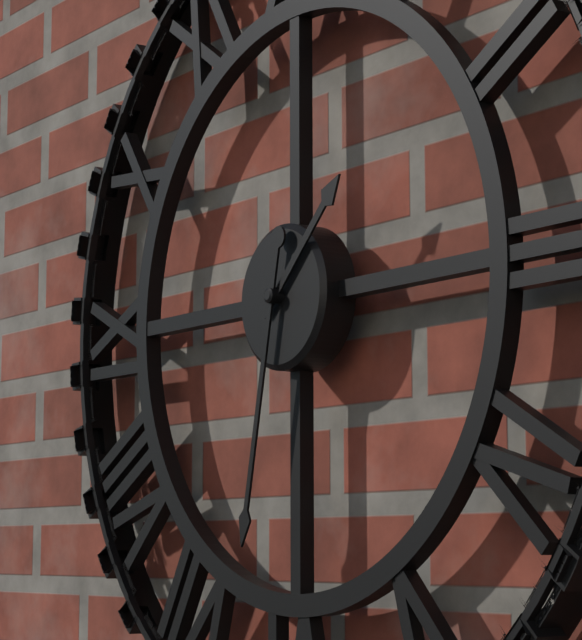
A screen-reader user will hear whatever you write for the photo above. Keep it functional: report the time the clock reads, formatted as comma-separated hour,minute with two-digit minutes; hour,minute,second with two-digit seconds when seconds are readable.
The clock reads 1,32
